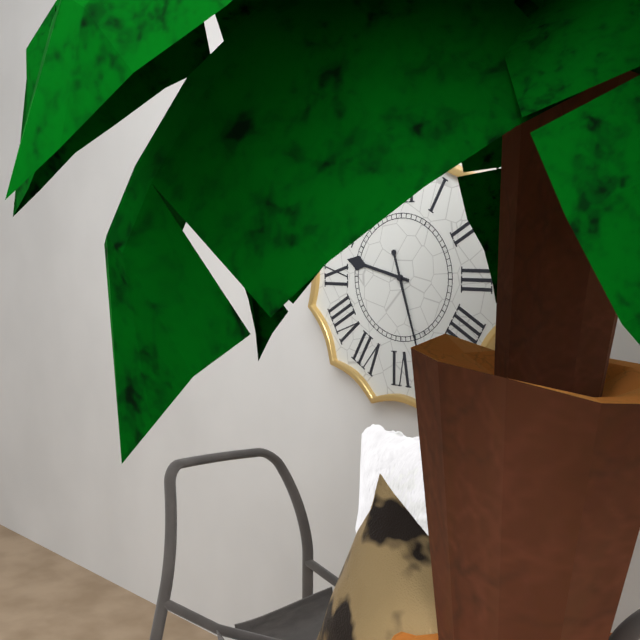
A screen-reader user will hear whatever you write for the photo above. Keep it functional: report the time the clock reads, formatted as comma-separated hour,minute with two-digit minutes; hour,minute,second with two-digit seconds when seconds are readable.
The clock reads 9,27
